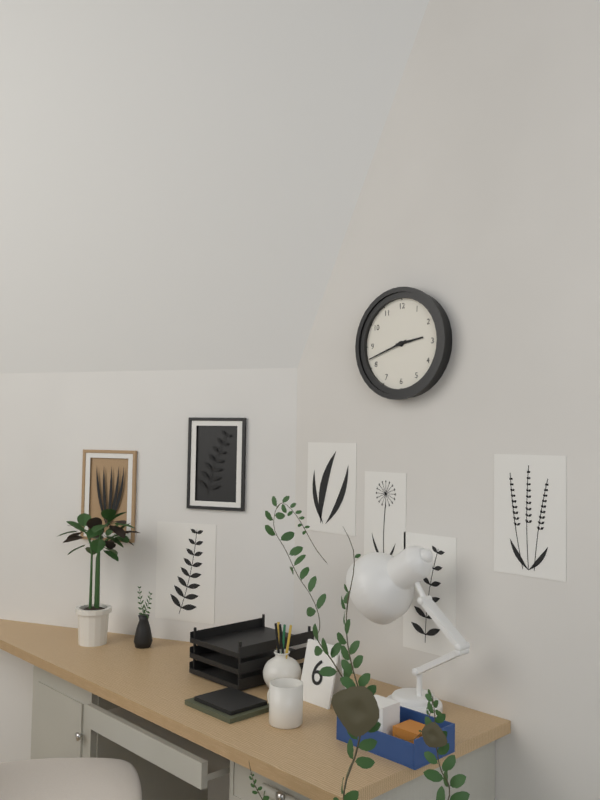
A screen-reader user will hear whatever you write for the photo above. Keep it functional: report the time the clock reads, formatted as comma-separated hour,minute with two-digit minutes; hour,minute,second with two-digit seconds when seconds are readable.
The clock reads 2,42
